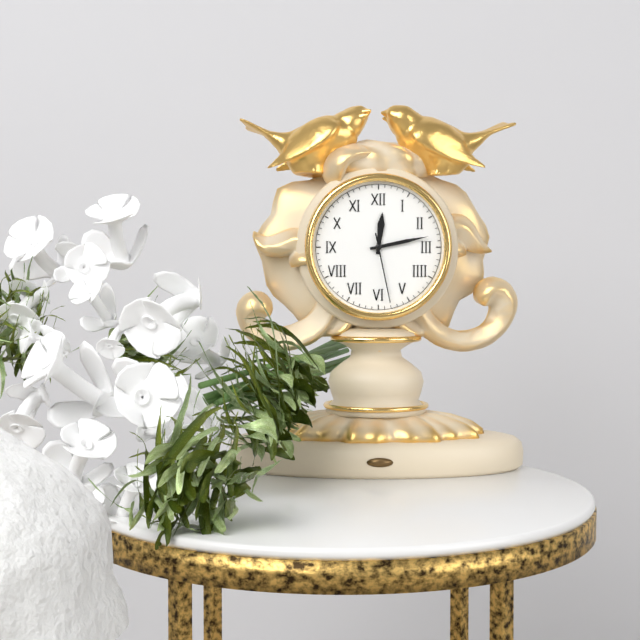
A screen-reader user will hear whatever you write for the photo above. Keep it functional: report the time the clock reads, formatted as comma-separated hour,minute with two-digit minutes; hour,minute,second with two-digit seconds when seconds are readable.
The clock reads 12,13,28
